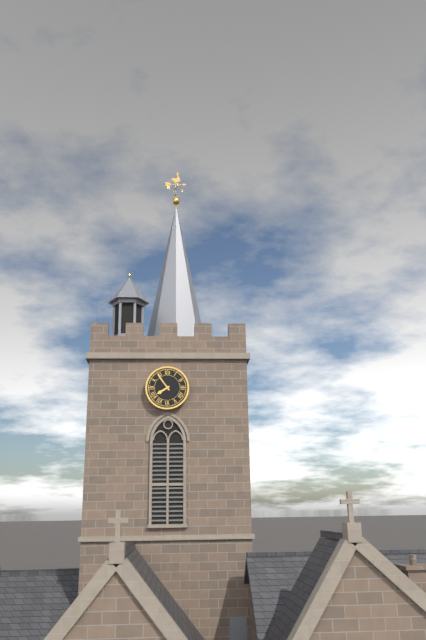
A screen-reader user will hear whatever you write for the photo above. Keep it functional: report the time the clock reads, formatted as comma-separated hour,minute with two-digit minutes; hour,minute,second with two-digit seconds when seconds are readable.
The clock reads 7,54
